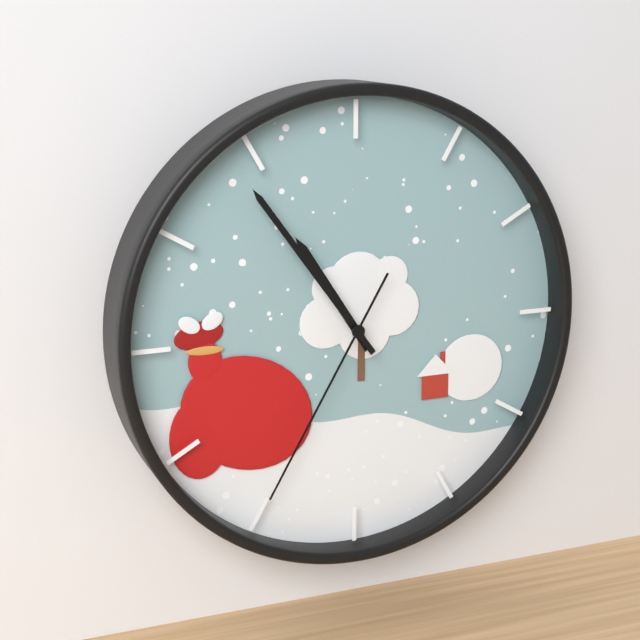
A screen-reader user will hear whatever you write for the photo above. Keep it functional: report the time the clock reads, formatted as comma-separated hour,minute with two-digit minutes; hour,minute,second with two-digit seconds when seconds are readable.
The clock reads 10,54,35
